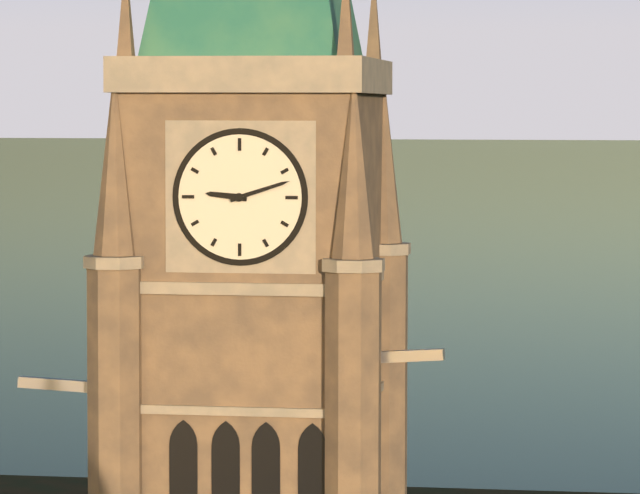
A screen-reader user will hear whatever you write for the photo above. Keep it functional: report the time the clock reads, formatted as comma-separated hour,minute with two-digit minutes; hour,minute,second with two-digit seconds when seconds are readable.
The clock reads 9,12
